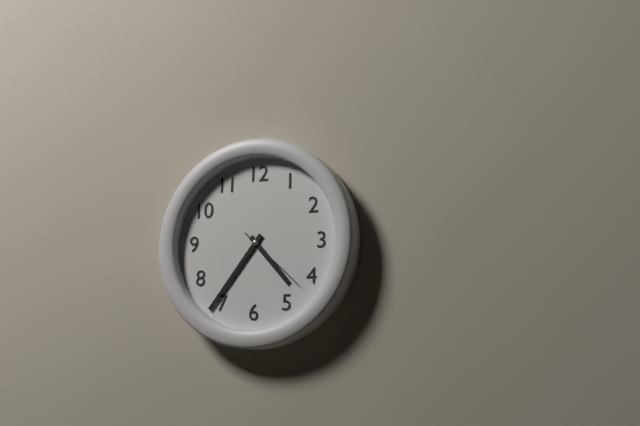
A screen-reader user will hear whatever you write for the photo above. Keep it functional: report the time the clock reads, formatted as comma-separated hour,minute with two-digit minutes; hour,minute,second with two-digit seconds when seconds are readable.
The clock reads 4,36,22
